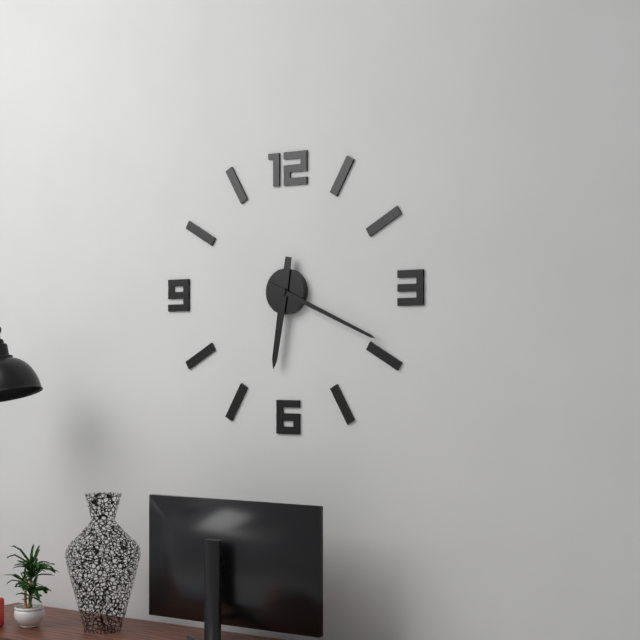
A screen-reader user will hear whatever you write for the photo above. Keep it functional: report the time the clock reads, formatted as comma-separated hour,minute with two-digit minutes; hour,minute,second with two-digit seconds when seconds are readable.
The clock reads 6,19
